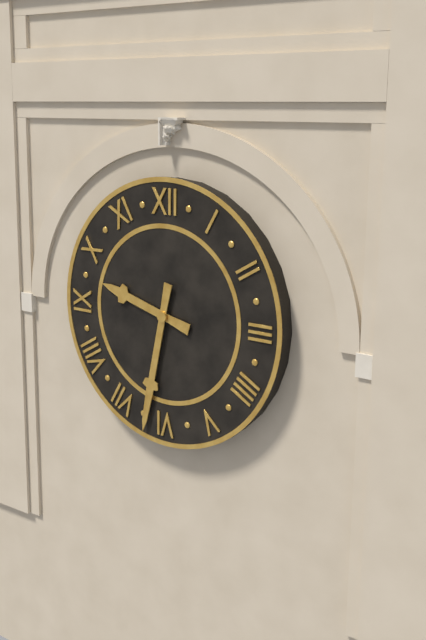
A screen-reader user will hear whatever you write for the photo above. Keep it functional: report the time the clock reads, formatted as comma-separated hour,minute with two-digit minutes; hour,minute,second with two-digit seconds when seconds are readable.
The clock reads 9,32
